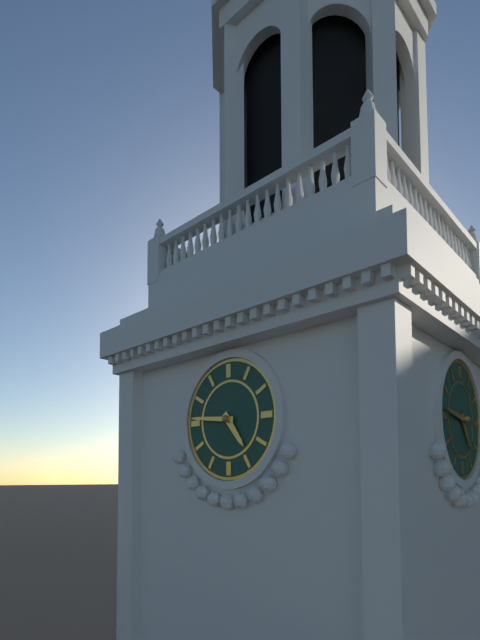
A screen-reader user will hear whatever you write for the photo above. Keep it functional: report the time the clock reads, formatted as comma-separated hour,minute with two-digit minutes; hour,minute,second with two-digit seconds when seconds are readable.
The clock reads 4,46
